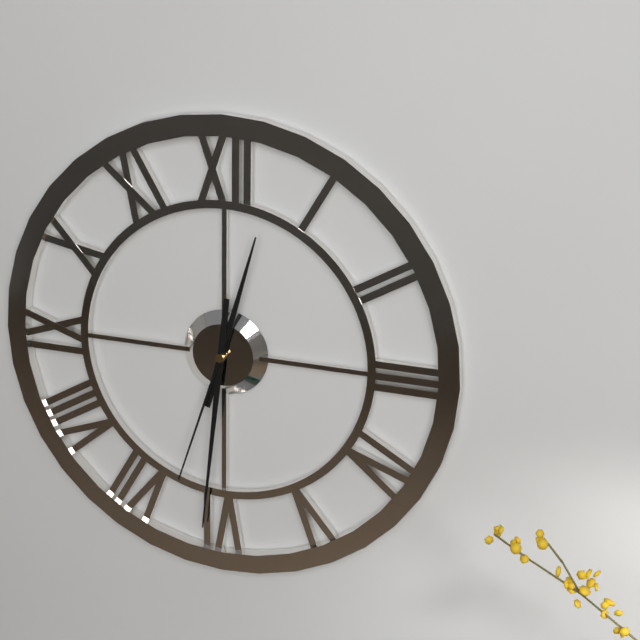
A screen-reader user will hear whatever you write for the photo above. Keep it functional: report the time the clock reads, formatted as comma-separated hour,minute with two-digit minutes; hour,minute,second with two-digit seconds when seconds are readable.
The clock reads 12,31,33
